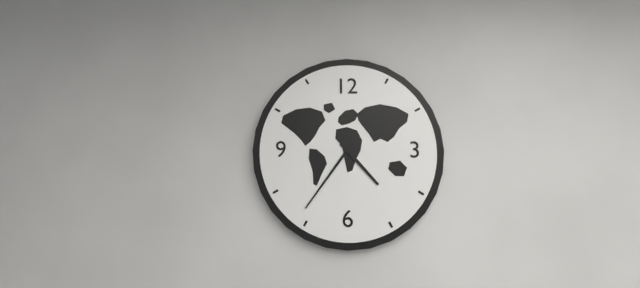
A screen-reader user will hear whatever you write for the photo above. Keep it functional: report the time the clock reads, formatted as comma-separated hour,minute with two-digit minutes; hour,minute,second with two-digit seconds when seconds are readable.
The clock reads 4,36
